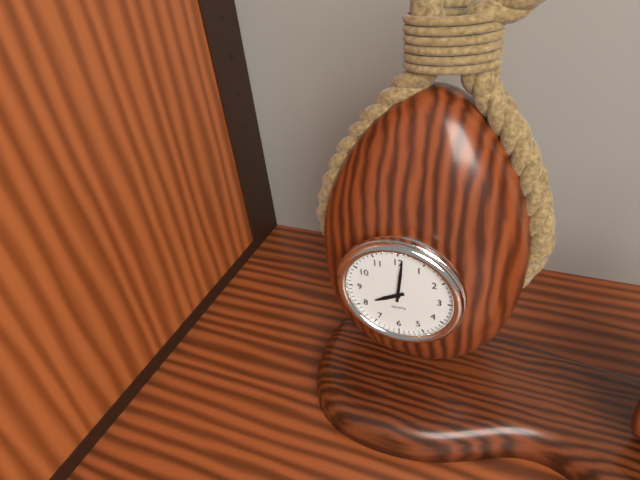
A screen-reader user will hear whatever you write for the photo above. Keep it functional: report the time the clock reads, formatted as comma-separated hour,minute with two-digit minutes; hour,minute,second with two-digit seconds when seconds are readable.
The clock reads 8,01
